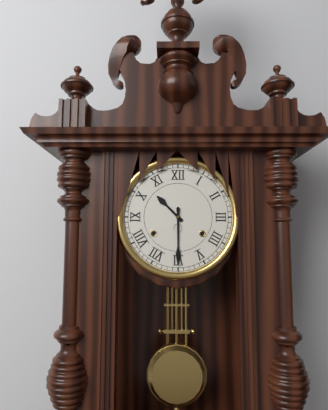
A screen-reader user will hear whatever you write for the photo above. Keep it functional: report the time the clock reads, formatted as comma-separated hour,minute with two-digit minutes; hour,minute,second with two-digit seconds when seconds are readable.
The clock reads 10,30
